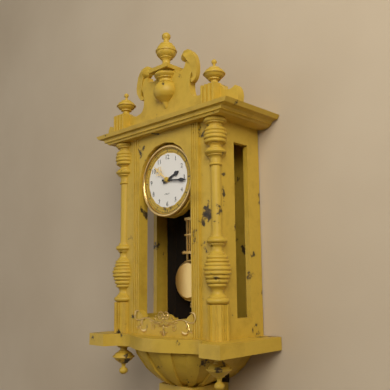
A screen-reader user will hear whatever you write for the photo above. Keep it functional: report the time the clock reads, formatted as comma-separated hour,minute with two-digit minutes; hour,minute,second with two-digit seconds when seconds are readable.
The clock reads 2,16
